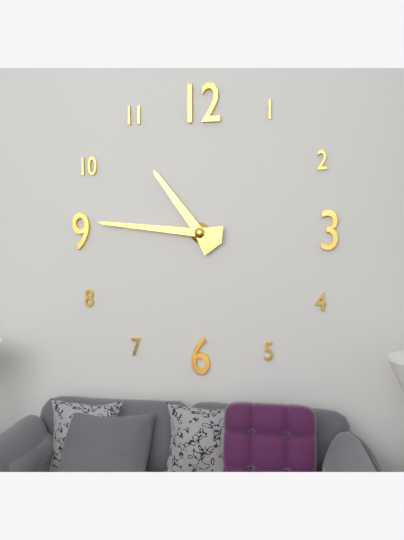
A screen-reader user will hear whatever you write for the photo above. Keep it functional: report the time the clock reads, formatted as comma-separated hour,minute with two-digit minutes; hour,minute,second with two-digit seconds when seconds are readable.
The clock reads 10,46
